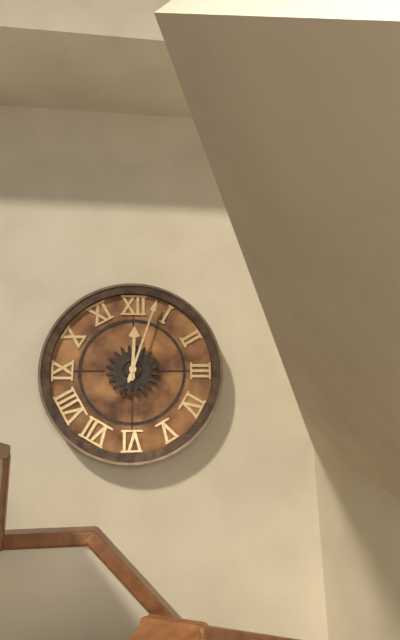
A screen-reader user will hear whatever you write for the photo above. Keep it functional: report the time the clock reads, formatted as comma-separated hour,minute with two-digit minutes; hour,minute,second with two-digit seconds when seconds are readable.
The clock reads 12,03
